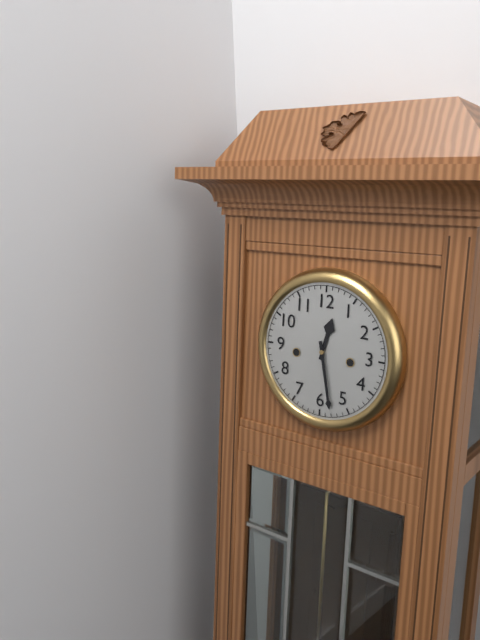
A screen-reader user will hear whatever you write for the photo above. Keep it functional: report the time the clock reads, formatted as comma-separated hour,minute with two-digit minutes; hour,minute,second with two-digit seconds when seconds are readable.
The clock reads 12,28
